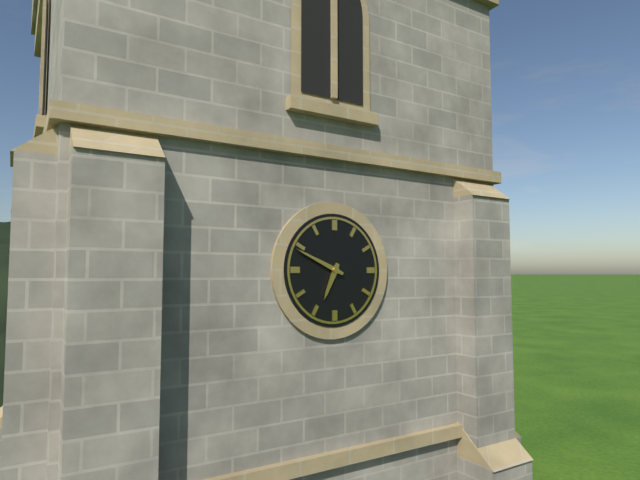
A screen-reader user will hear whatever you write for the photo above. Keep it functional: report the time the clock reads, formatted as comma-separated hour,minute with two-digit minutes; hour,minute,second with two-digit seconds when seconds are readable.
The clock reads 6,49
